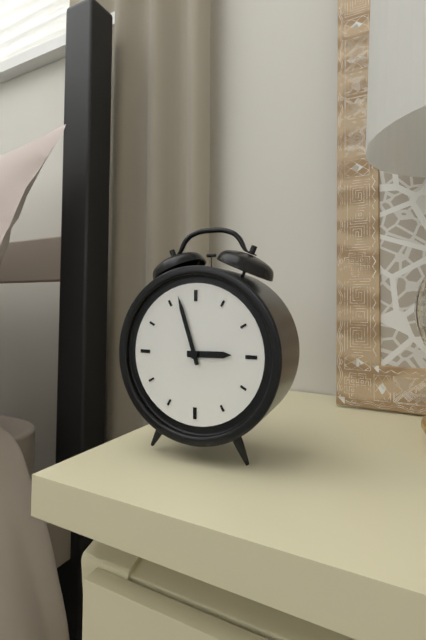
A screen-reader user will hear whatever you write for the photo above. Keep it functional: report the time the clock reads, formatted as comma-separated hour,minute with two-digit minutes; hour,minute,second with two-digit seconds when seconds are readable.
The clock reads 2,57
